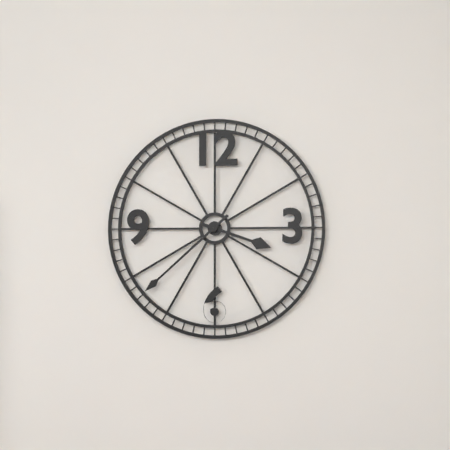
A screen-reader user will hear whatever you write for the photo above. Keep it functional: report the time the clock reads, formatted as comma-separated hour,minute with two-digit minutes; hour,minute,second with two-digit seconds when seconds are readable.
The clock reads 3,38
